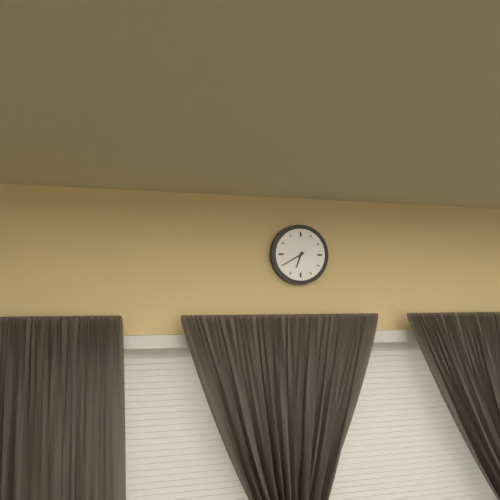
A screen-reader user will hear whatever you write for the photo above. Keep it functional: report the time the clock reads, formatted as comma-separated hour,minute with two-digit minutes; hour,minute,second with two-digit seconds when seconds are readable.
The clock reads 6,40
